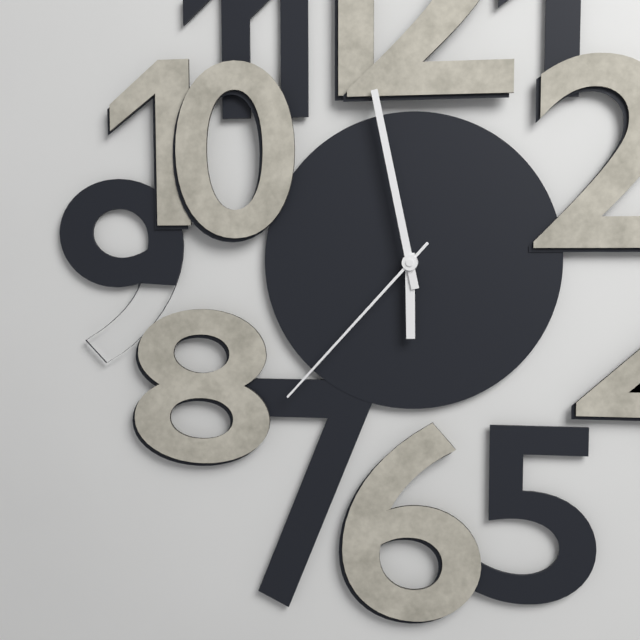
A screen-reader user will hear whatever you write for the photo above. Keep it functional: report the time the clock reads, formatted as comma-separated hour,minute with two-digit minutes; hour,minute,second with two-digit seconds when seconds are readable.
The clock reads 5,58,37
